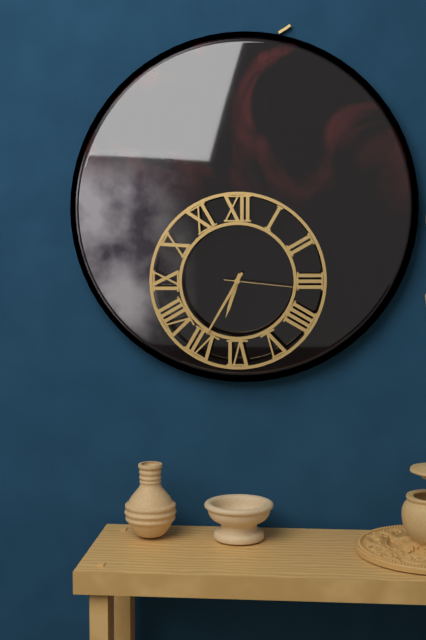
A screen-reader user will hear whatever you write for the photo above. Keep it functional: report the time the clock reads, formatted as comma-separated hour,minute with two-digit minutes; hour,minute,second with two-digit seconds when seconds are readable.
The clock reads 6,35,16
